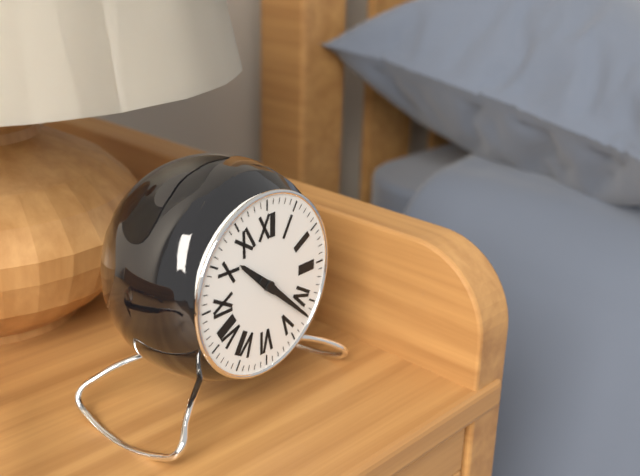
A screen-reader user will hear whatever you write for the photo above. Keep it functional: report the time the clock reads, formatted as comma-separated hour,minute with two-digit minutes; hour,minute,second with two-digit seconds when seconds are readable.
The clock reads 10,22
